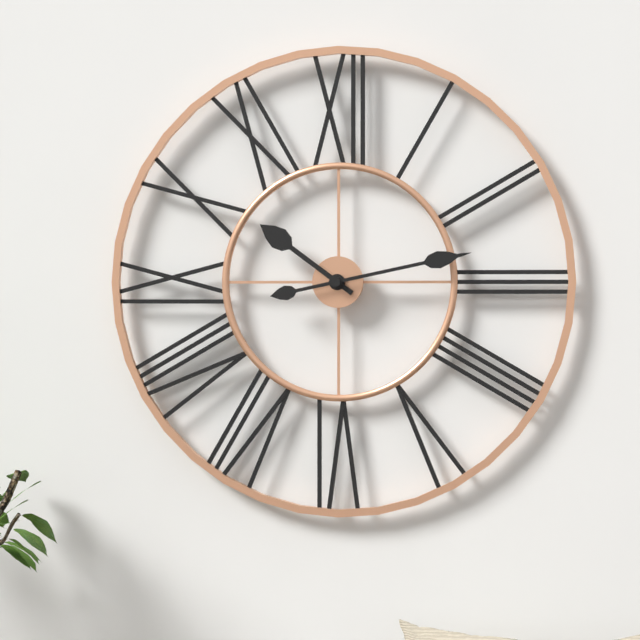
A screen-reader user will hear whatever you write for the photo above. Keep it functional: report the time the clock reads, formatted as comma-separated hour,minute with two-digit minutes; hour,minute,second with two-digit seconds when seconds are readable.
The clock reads 10,13
